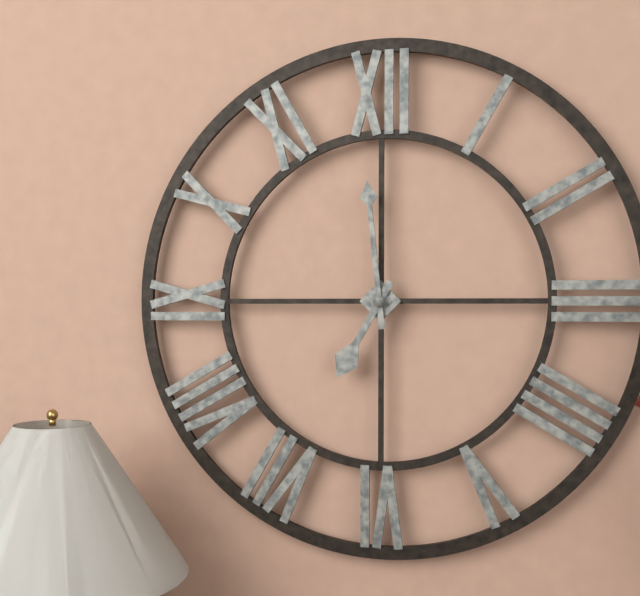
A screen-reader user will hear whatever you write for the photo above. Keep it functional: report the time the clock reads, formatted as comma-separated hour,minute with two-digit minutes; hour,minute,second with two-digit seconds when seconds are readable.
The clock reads 6,59
